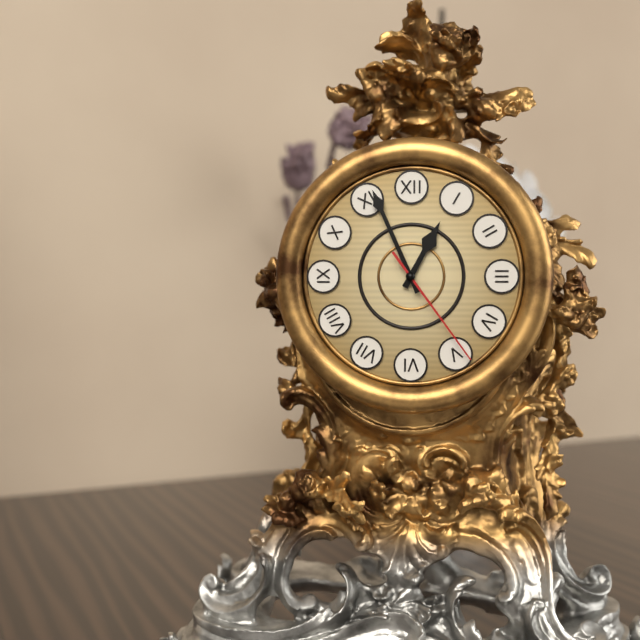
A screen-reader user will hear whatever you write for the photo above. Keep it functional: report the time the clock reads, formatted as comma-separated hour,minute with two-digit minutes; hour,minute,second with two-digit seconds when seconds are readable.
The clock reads 12,56,24
